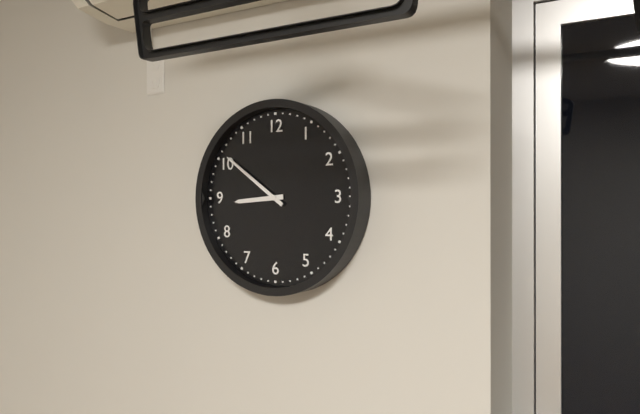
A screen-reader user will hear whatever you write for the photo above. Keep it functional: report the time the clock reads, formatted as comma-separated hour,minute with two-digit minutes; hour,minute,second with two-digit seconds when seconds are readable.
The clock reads 8,51
